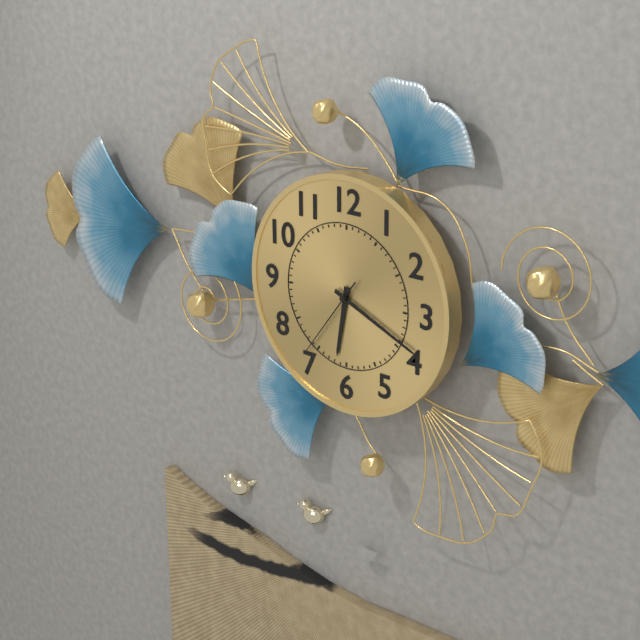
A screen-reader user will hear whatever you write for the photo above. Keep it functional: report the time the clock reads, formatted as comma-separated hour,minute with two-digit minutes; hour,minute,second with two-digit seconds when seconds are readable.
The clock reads 6,19,36
